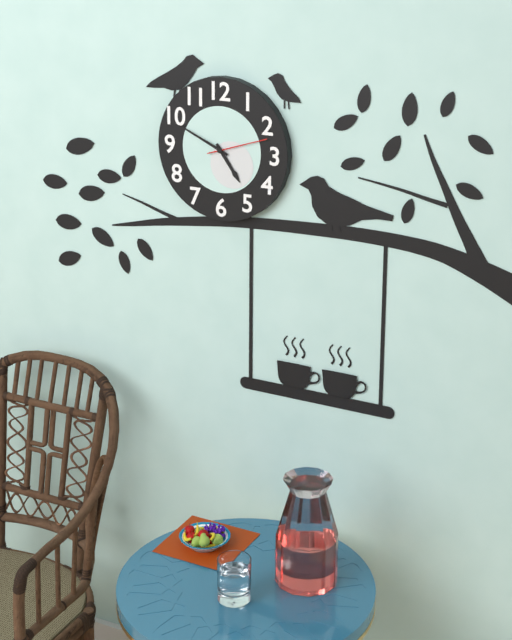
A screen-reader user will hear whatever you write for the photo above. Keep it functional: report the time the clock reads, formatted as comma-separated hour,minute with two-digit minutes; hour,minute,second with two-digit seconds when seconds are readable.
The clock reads 4,49,12
